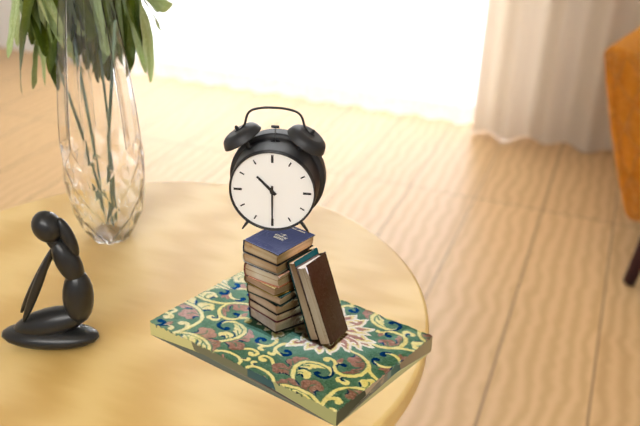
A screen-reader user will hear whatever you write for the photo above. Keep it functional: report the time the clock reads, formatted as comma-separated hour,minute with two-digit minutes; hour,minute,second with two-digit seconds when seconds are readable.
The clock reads 10,30
